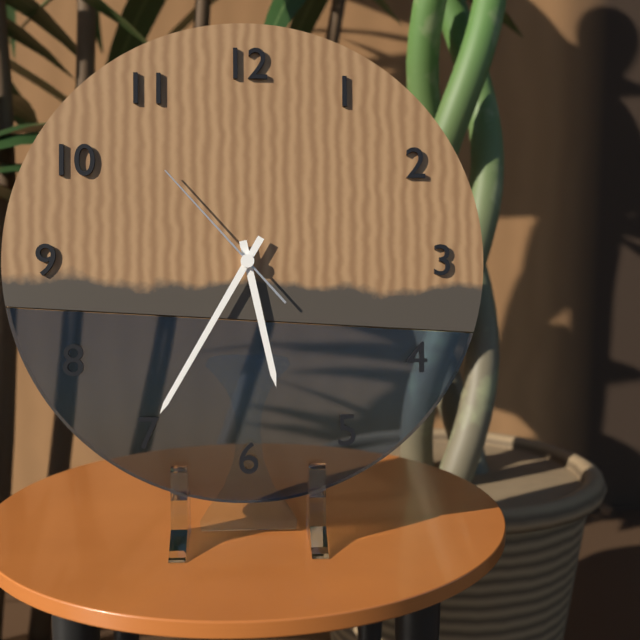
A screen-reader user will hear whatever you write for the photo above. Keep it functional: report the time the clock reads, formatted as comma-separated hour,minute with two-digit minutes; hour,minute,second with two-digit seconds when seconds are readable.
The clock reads 5,35,53
